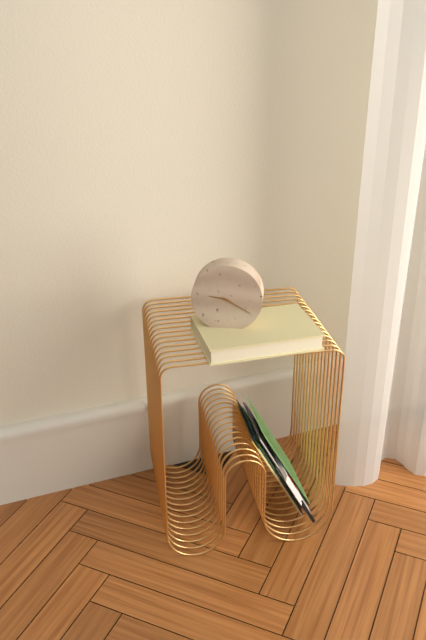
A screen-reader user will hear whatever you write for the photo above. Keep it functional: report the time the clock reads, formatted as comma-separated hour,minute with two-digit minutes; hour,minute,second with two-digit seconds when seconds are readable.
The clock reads 9,20
